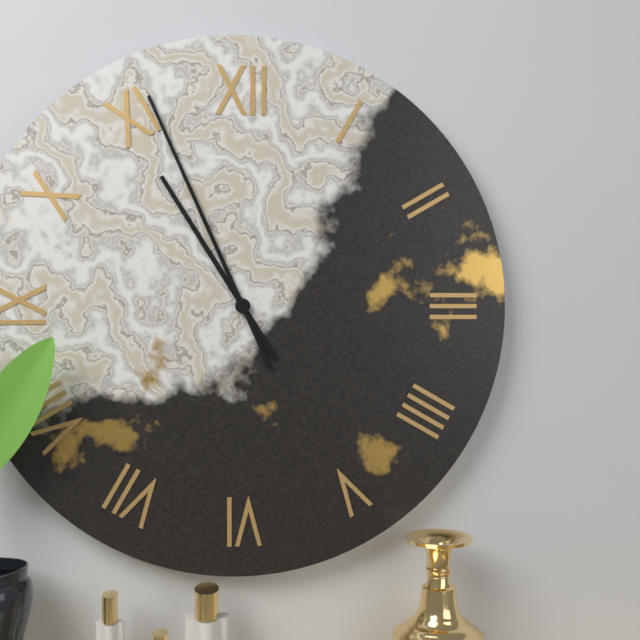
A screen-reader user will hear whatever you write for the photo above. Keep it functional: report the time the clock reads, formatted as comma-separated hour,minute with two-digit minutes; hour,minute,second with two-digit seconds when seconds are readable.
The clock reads 10,56
